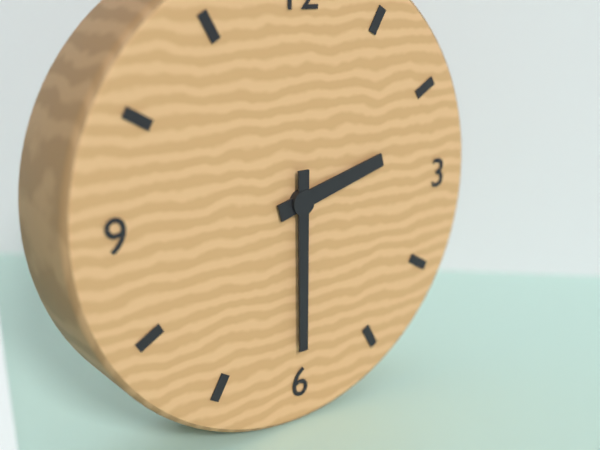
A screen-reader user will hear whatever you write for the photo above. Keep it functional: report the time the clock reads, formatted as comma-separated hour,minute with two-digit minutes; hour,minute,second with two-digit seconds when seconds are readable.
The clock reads 2,30
